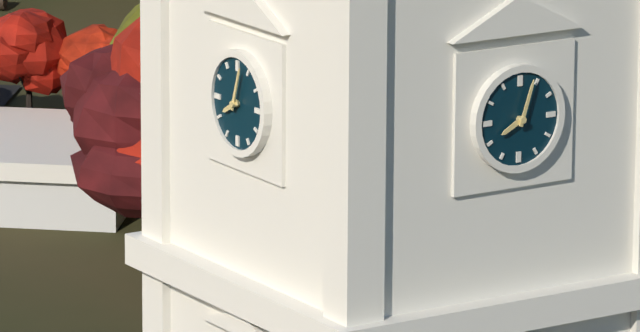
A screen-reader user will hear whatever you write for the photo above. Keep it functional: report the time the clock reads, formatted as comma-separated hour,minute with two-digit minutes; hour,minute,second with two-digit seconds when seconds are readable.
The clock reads 8,03
